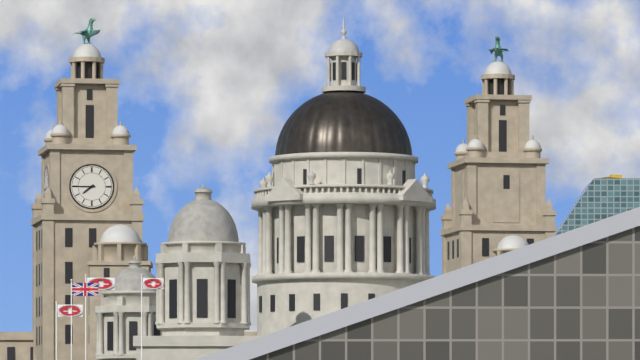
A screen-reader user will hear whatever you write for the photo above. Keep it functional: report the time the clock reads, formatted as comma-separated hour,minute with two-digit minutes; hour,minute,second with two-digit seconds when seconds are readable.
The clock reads 7,45
